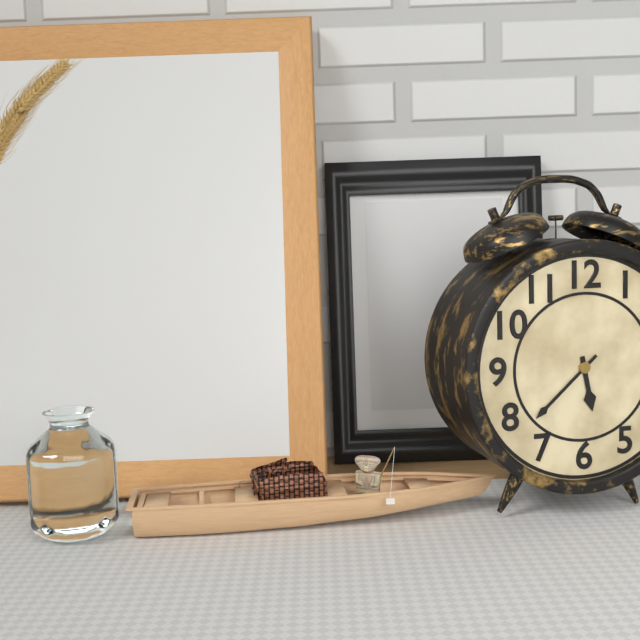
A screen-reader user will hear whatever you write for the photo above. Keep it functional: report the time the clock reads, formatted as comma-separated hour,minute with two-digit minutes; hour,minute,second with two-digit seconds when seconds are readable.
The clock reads 5,38
